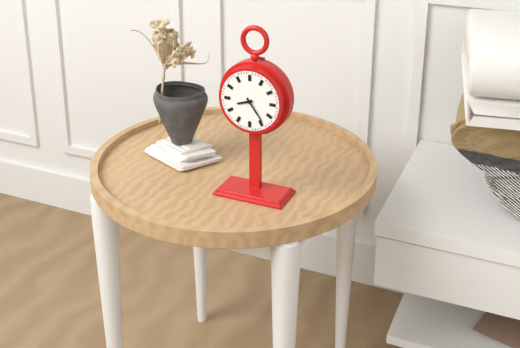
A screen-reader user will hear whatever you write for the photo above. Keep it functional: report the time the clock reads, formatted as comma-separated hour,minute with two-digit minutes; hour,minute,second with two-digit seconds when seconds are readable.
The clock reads 8,24
